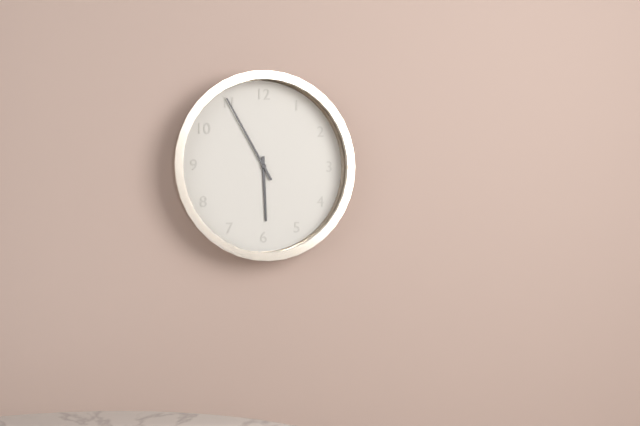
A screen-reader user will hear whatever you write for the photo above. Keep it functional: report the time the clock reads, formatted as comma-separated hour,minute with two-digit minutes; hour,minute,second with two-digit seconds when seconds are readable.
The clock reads 5,55
